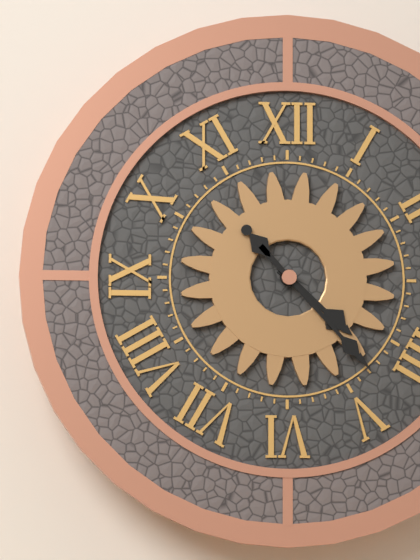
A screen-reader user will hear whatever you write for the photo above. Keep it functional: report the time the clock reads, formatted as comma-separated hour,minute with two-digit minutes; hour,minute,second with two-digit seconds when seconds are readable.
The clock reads 4,23
